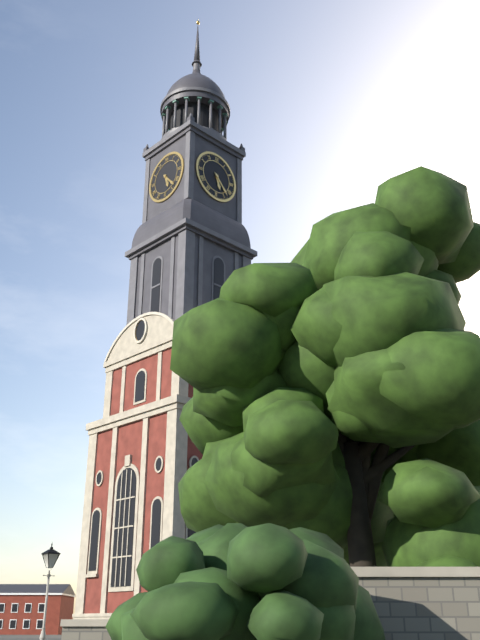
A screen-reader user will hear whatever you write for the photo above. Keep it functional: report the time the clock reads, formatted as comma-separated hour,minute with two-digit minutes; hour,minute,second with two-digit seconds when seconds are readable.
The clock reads 5,23
